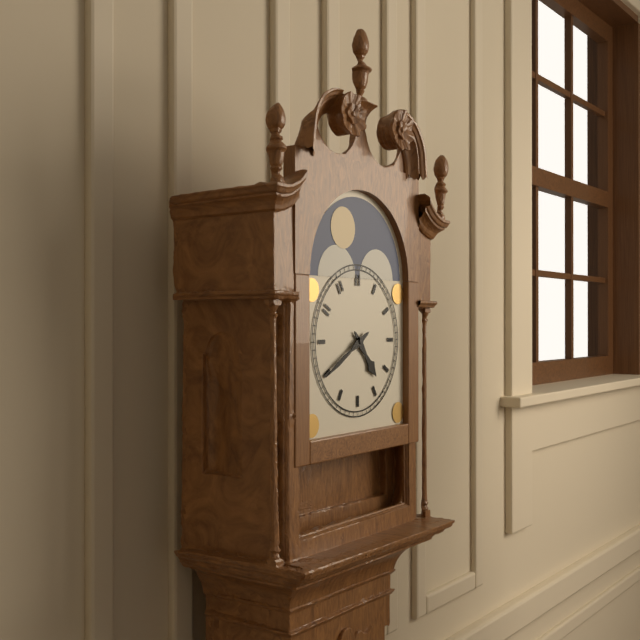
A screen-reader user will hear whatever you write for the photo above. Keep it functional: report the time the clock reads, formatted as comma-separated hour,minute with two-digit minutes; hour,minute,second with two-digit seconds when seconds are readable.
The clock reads 4,40
